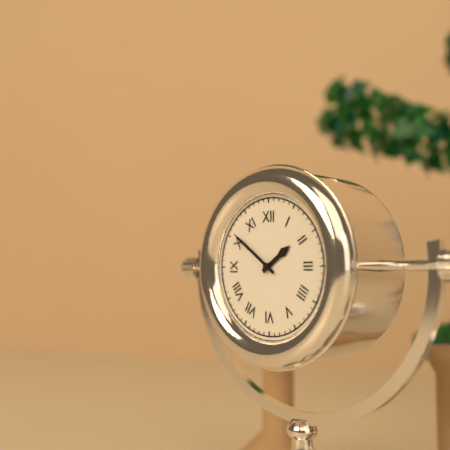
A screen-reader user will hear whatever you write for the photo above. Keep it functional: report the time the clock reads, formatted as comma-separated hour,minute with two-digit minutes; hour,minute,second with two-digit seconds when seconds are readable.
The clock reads 1,51
